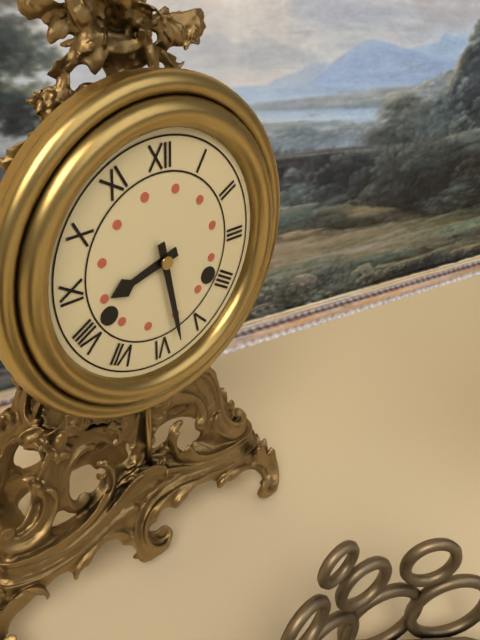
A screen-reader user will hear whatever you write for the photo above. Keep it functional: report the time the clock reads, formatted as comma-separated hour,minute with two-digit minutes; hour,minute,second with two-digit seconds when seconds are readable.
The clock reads 8,28
